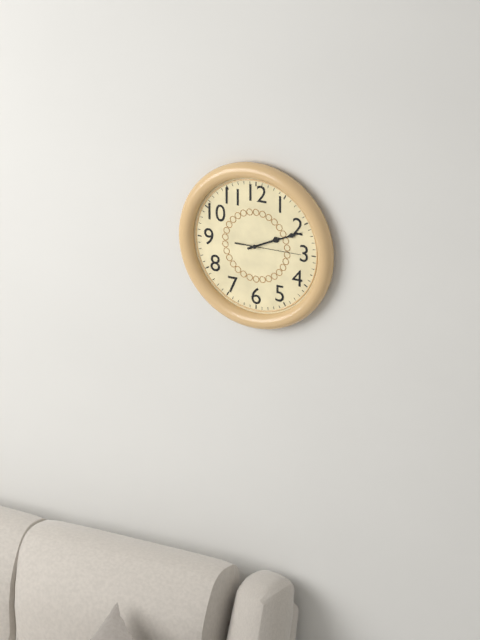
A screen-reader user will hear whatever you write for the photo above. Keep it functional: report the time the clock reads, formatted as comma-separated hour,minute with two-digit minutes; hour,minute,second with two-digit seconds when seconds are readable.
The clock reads 2,11,15
